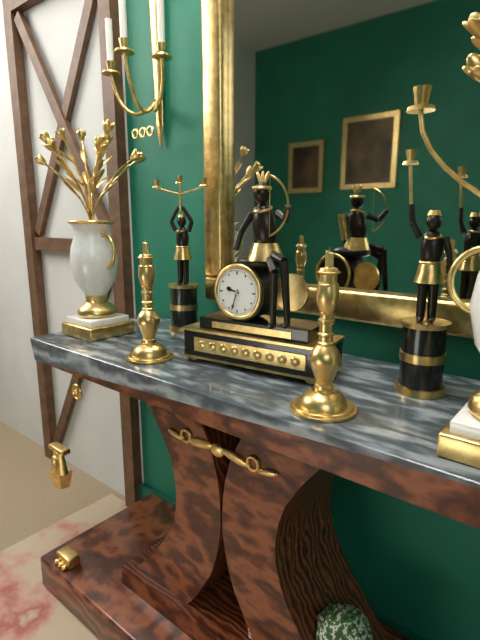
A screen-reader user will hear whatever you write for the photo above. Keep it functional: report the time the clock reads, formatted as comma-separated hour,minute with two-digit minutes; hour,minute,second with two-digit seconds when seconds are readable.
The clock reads 9,33
